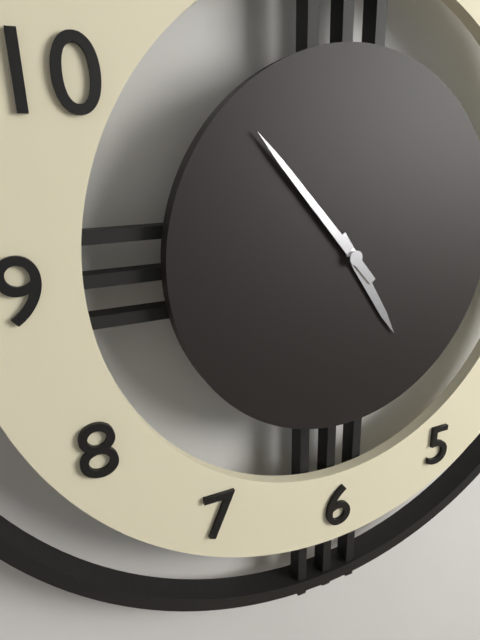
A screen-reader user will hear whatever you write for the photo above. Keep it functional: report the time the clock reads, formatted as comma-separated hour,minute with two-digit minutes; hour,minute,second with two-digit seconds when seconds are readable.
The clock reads 4,53
